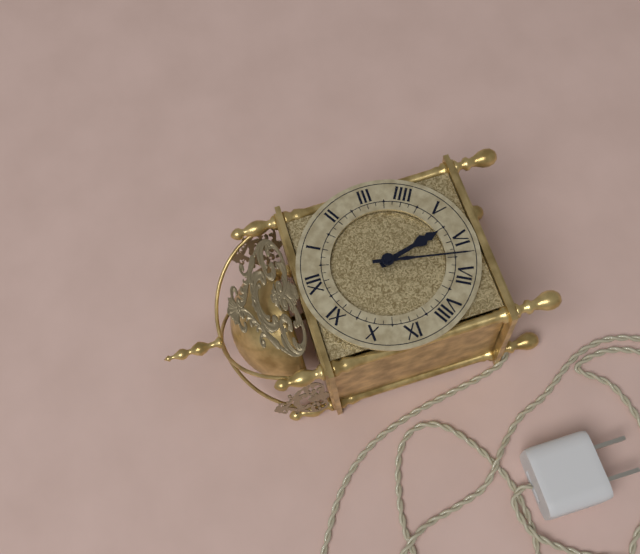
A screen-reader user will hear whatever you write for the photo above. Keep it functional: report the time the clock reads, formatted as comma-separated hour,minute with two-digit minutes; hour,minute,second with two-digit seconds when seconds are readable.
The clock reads 5,32
